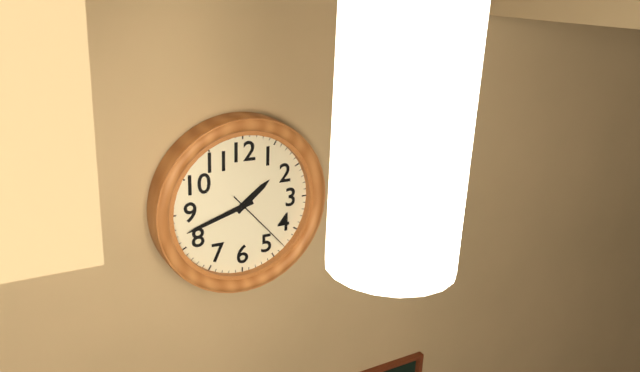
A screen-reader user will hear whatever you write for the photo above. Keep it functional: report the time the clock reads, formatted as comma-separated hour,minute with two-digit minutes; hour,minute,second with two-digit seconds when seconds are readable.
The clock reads 1,42,23
